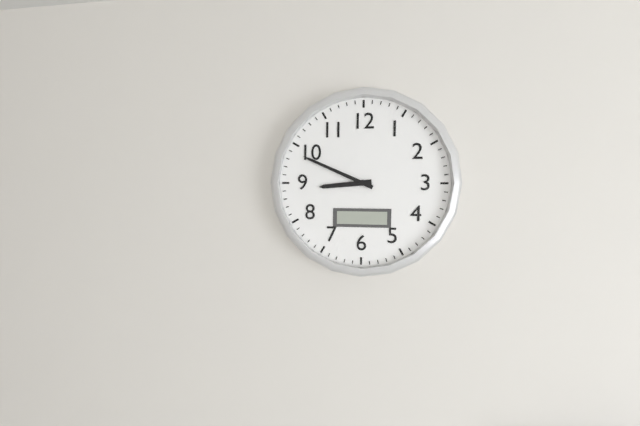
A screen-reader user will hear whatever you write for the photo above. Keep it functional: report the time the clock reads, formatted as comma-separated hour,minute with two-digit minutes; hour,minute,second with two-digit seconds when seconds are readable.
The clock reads 8,49
